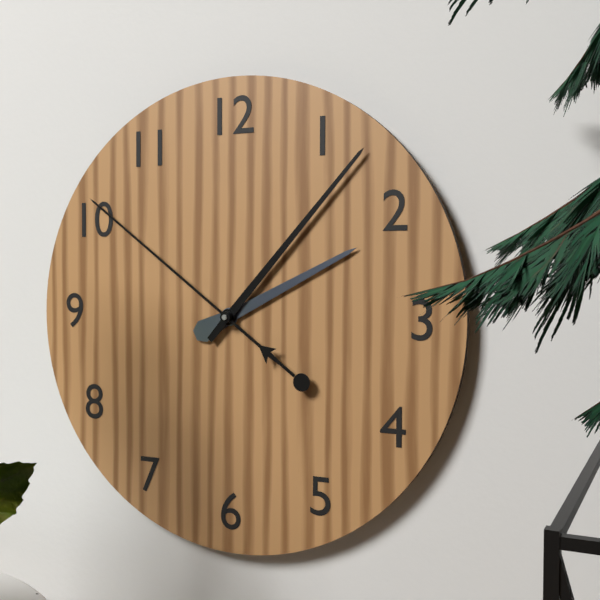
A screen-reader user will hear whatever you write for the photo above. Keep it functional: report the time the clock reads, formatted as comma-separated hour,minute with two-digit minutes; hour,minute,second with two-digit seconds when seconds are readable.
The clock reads 2,07,51
